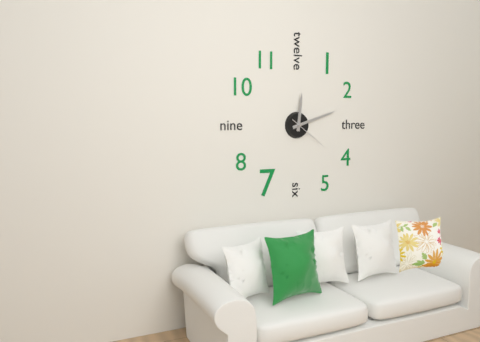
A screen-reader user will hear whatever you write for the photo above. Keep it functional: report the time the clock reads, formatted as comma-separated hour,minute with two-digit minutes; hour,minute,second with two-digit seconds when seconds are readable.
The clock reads 12,12
